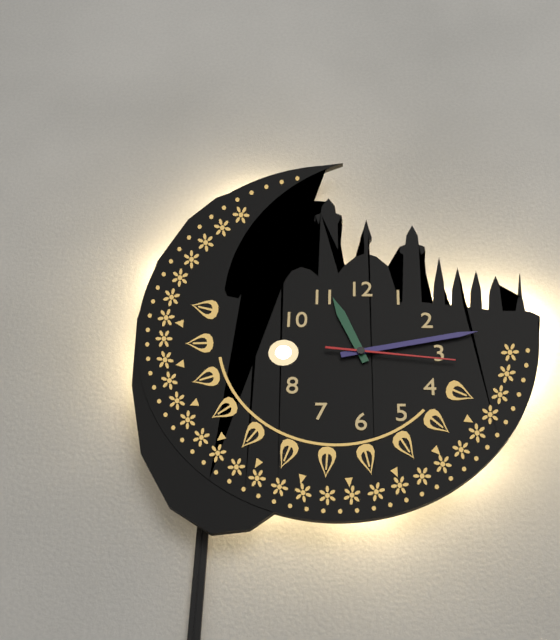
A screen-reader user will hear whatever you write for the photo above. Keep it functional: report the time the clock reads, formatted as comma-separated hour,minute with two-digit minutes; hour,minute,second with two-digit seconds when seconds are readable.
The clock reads 11,13,16
